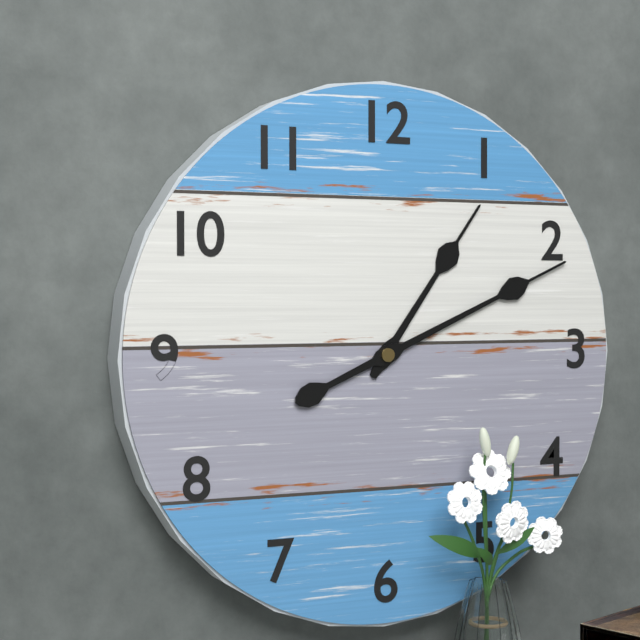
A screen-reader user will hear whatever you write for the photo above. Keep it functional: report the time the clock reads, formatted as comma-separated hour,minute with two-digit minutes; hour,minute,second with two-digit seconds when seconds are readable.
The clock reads 1,11
